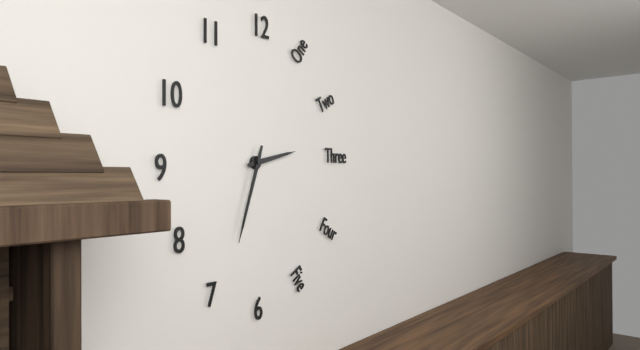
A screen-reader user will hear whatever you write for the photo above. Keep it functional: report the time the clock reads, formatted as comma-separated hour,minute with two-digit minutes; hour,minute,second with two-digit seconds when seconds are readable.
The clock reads 2,33
